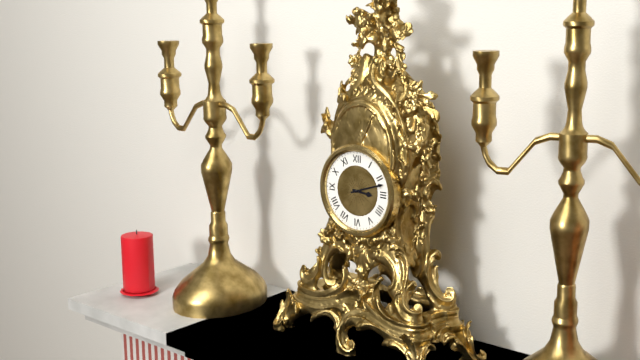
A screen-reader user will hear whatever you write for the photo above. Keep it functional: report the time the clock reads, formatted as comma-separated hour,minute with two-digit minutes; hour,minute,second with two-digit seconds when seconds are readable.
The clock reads 3,12
